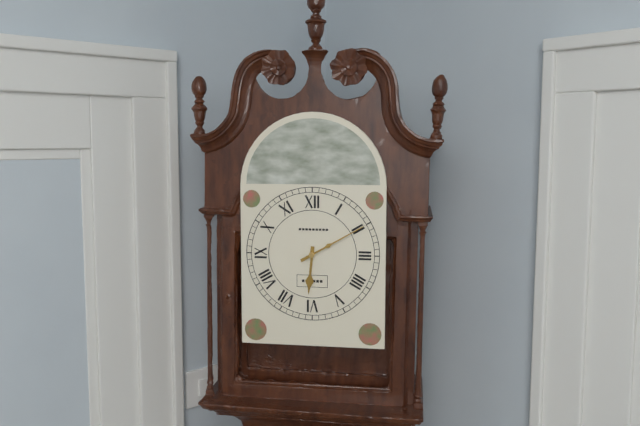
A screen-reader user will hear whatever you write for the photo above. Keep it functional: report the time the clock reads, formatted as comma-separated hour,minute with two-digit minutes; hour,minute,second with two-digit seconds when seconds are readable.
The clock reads 6,10
